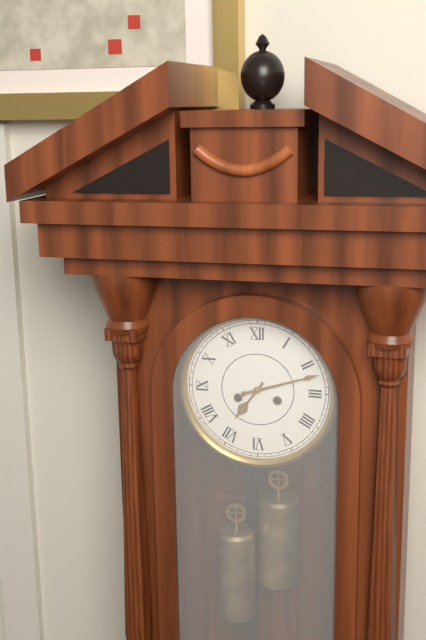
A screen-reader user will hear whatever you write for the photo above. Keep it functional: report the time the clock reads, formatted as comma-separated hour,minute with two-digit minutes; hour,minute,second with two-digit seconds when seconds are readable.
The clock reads 7,12
